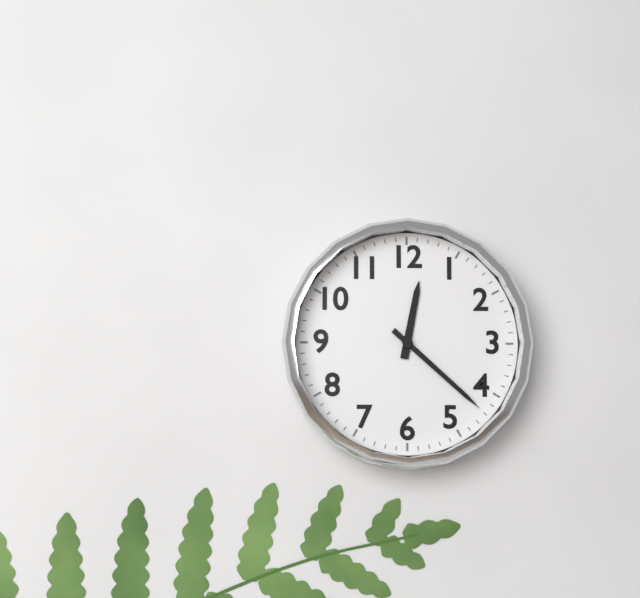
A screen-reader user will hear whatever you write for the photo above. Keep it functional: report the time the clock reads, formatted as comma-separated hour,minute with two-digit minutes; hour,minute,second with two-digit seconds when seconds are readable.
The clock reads 12,22
